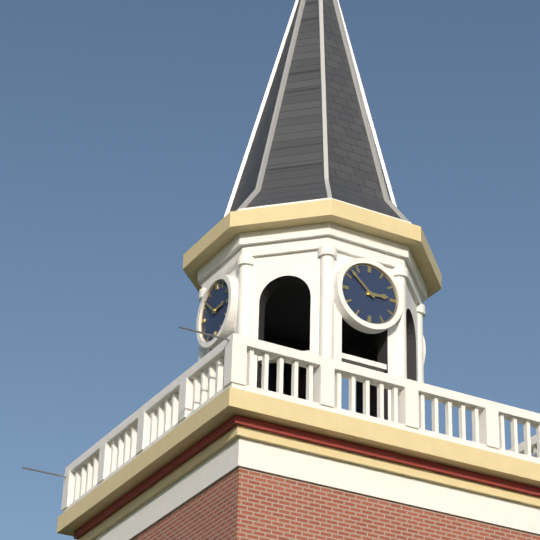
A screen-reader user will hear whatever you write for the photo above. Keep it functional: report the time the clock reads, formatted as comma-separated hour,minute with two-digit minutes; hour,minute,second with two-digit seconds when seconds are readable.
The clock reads 2,52
